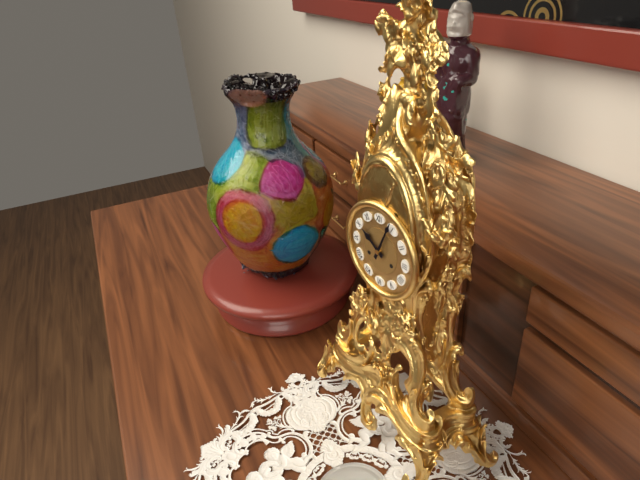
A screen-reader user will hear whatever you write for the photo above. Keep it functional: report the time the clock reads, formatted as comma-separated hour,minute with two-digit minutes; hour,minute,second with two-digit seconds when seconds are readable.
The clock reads 10,04
